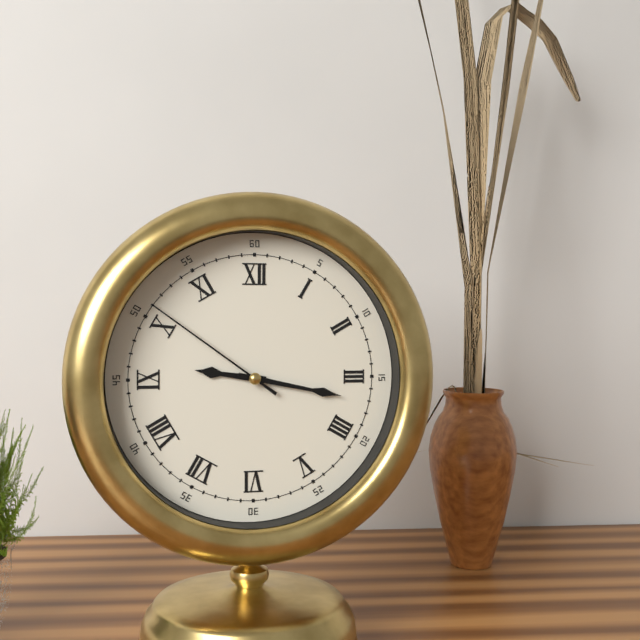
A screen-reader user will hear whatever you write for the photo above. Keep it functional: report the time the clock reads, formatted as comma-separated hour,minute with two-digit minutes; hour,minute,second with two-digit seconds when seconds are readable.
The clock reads 9,17,51
